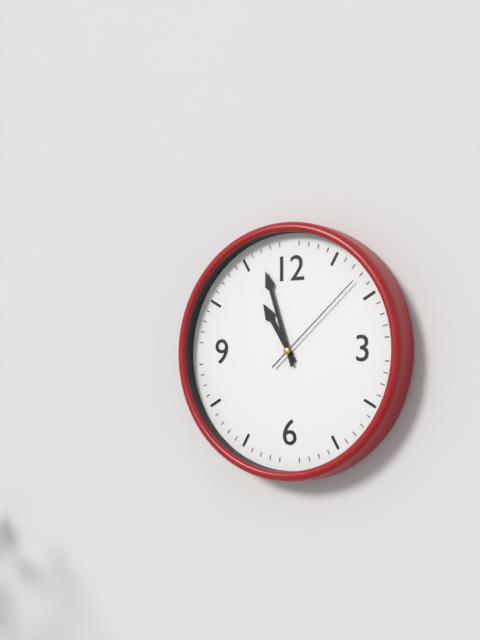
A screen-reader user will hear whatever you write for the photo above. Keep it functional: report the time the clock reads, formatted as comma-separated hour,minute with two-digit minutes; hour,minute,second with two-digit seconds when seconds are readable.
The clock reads 10,57,08
